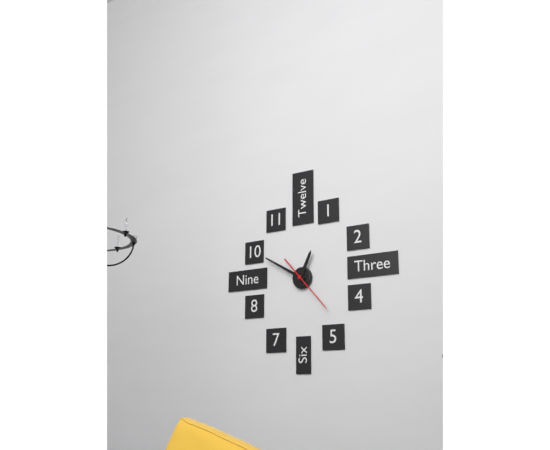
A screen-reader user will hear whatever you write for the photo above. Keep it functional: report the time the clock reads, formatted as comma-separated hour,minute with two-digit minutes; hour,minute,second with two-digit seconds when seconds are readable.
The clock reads 12,50,23
